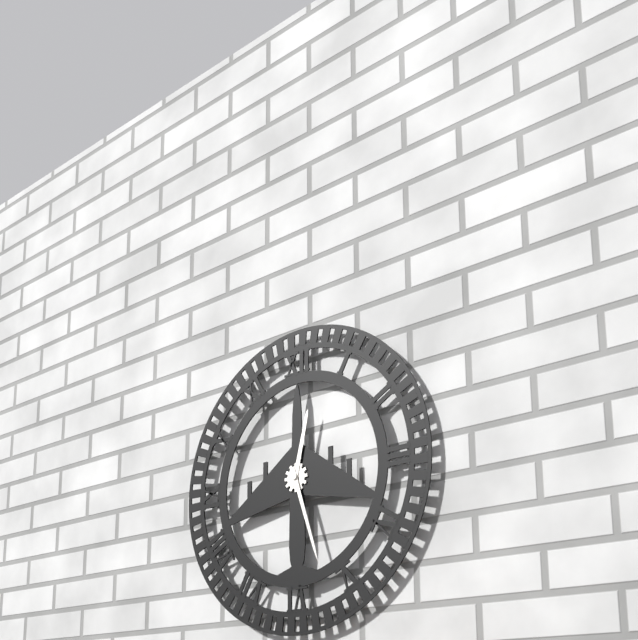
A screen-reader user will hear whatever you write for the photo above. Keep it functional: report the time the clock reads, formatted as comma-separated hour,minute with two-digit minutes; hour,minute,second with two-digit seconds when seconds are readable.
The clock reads 12,27
